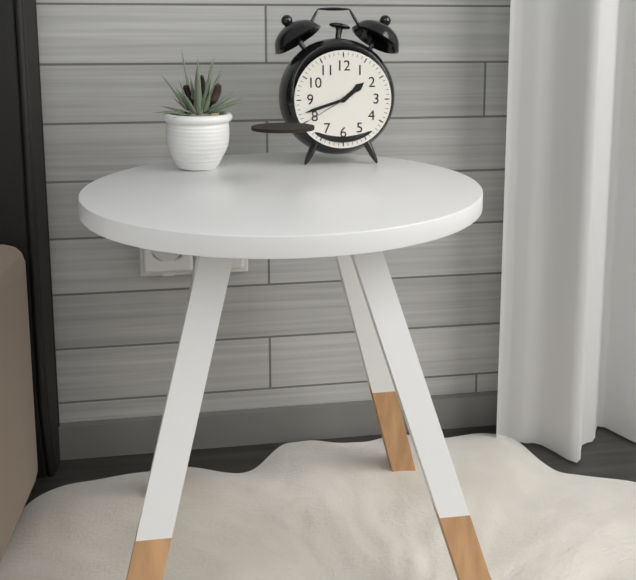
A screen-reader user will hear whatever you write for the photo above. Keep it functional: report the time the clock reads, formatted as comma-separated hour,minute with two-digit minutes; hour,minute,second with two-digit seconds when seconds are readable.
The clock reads 1,42,40
